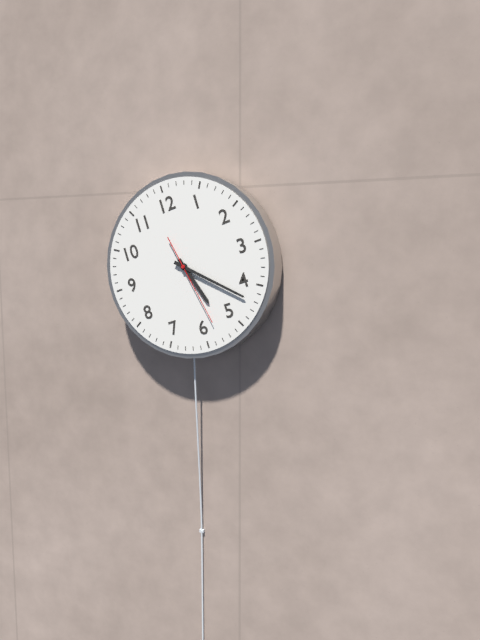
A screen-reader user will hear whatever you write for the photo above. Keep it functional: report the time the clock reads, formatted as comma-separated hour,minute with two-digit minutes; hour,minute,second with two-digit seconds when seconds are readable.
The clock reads 5,22,28
